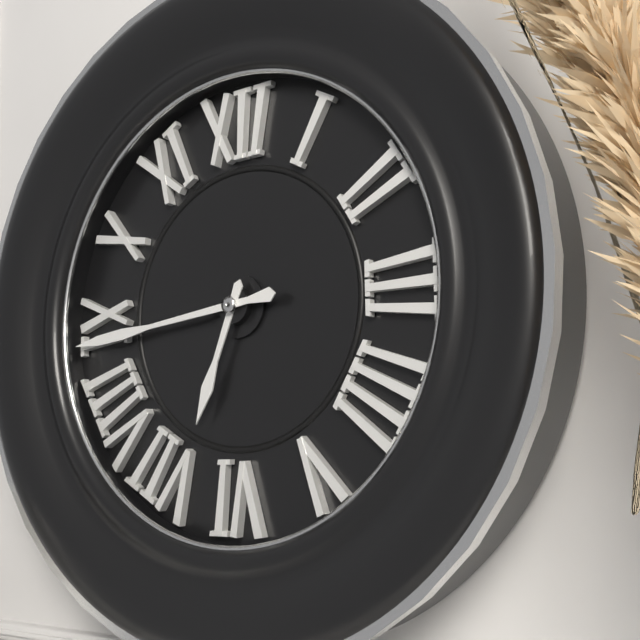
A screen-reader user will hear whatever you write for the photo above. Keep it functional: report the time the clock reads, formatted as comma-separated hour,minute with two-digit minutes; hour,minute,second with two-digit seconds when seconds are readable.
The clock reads 6,44
